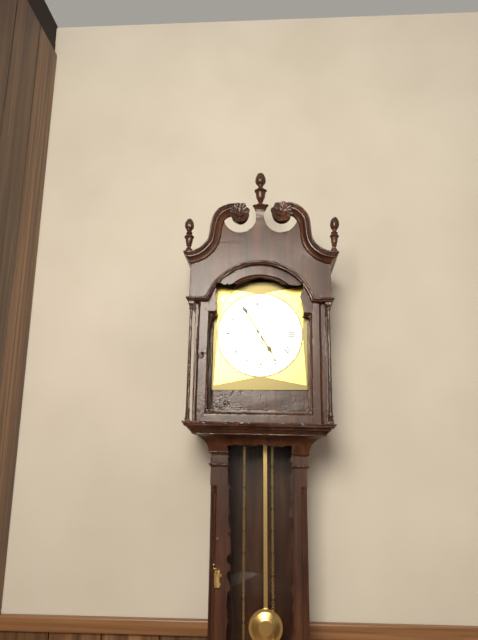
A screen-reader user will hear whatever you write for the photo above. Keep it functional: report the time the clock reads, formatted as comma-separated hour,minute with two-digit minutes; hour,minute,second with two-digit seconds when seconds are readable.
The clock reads 4,55
